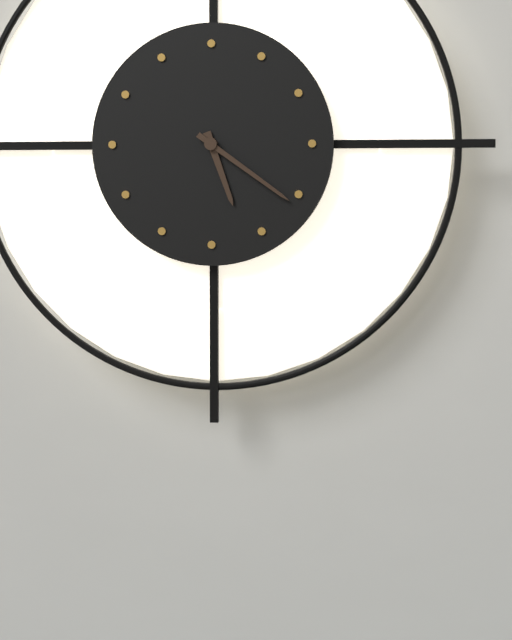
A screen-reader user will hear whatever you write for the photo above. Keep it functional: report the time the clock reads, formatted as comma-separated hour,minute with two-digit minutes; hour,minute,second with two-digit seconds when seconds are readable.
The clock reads 5,21
